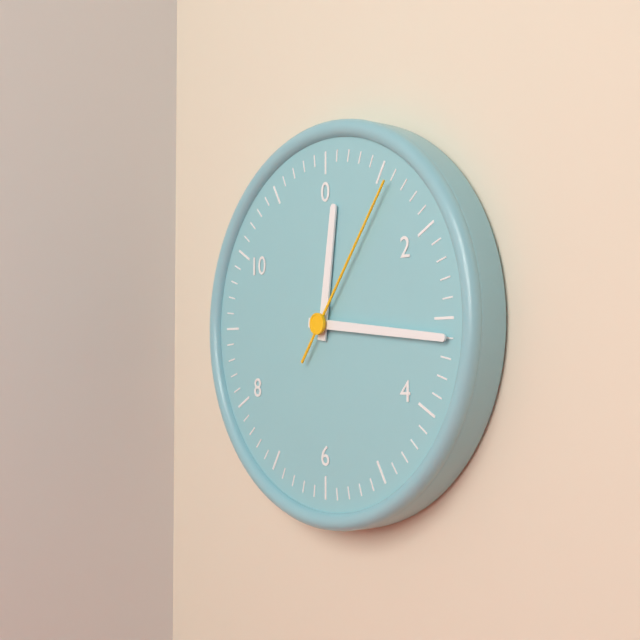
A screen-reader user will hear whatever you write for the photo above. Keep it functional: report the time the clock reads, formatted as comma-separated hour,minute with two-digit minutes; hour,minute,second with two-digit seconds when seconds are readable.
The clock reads 12,16,06
